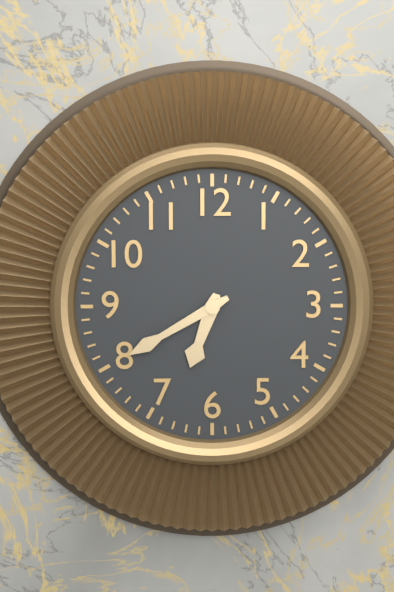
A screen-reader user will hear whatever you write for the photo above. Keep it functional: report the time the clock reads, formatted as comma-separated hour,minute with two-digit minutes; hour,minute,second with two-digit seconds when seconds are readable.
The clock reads 6,40
